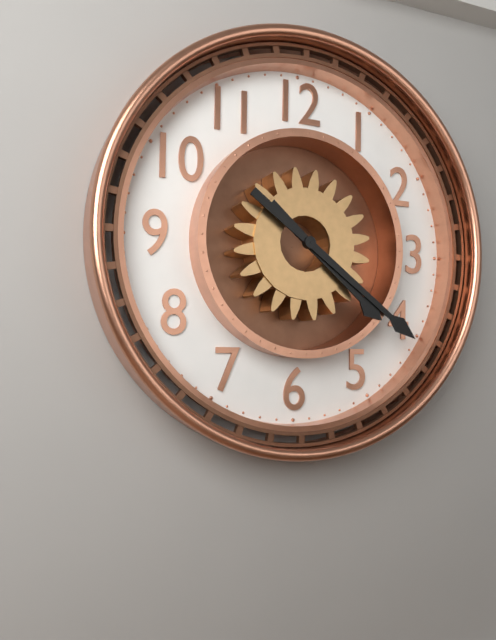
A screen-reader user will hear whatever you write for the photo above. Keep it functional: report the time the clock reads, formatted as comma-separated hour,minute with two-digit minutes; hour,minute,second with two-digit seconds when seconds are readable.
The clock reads 4,21
